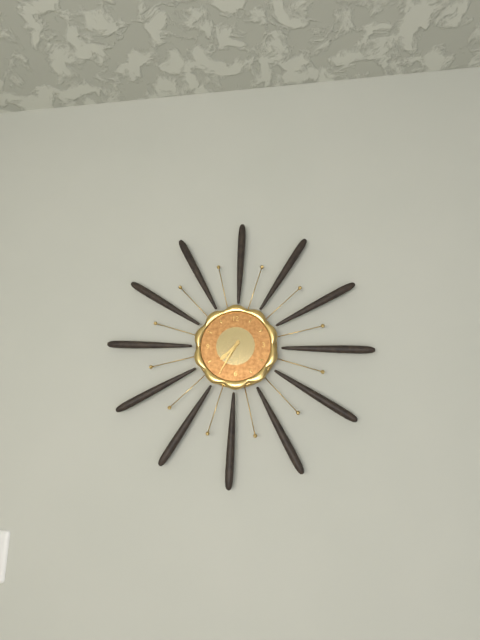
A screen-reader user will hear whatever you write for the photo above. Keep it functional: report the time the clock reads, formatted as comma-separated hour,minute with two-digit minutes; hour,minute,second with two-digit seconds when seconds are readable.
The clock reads 7,35
